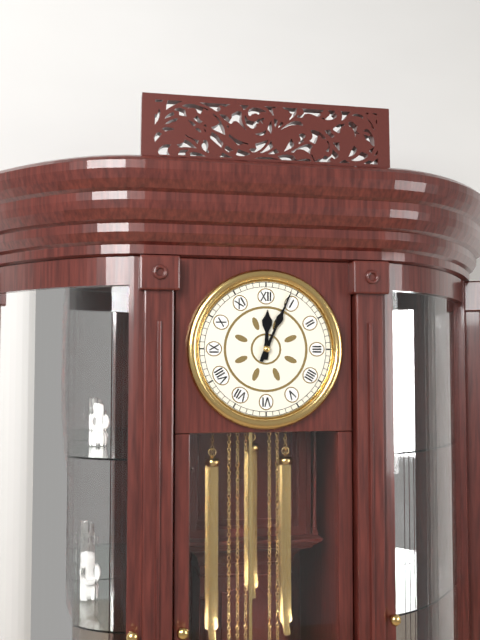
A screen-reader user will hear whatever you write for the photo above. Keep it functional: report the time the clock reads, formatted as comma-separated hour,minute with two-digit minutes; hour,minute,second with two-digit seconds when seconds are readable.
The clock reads 12,04
